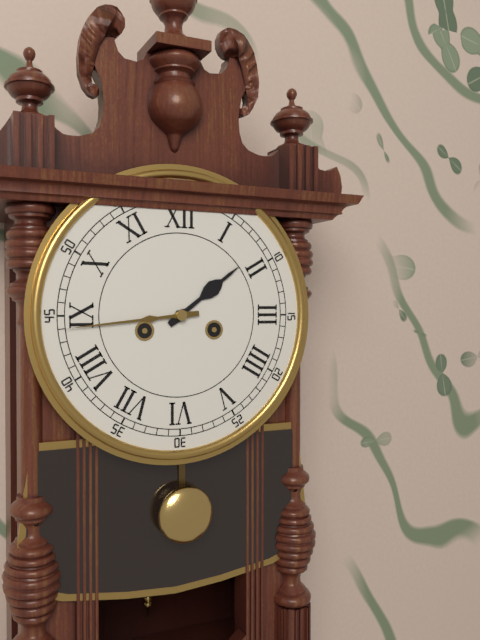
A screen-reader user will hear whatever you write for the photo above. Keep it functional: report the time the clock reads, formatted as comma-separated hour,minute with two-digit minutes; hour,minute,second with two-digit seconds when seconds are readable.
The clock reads 1,44
